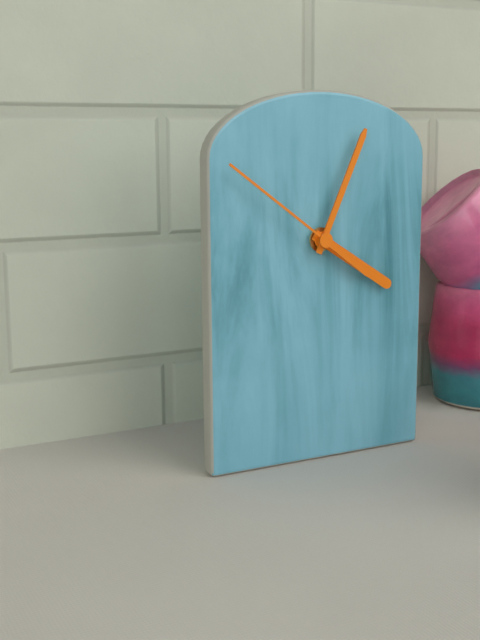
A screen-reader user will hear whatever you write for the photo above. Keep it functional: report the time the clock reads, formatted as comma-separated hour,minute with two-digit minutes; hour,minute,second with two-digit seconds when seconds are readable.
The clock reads 4,04,51
